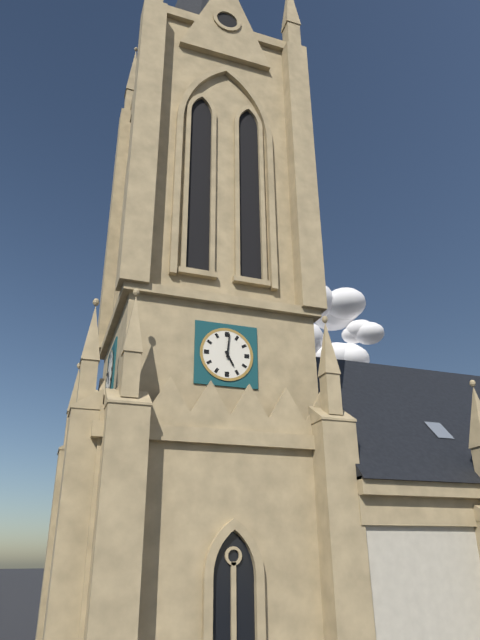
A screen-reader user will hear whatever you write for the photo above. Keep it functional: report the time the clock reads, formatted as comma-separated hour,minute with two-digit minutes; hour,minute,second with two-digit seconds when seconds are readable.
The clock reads 5,01
